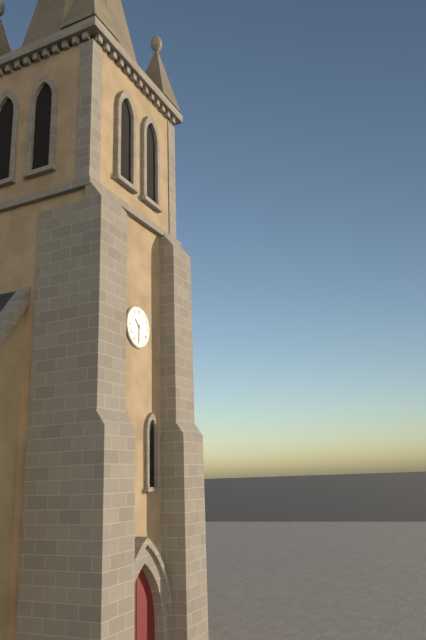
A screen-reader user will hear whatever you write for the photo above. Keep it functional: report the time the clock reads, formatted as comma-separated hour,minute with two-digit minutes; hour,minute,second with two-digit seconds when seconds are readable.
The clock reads 10,30
